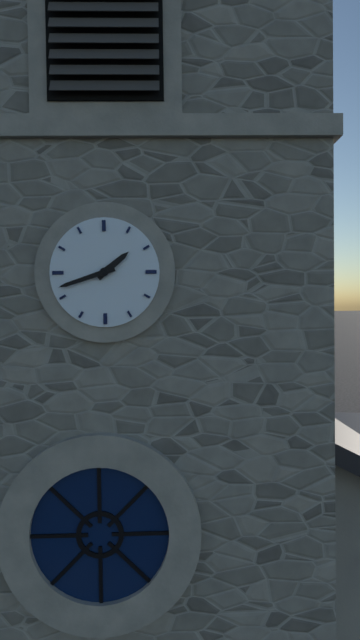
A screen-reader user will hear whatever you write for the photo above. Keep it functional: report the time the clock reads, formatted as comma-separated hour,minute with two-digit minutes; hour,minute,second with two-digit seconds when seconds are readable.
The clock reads 1,42
